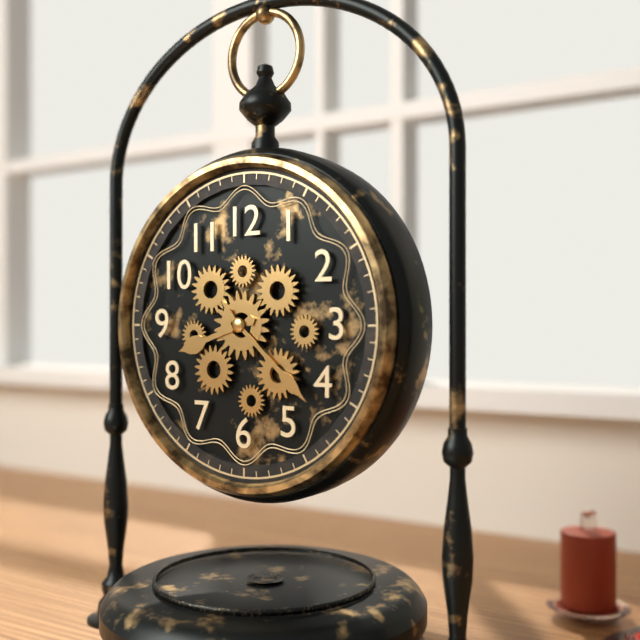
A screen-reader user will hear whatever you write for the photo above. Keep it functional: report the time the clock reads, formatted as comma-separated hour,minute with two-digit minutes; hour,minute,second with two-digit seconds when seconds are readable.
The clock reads 8,22
